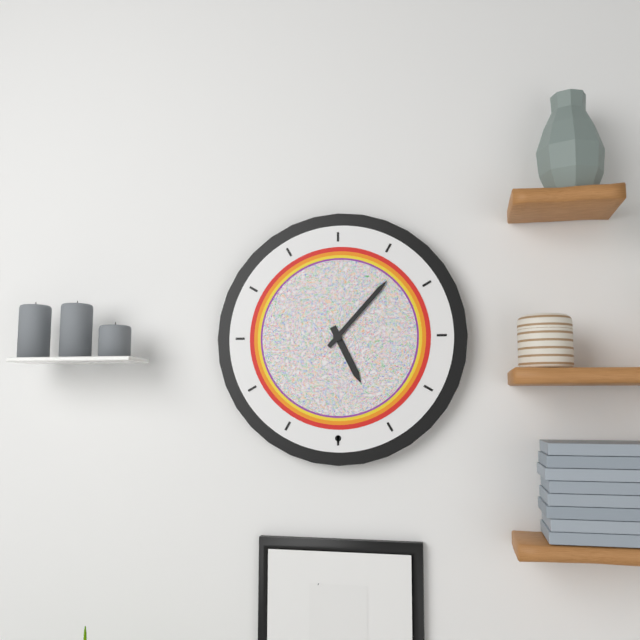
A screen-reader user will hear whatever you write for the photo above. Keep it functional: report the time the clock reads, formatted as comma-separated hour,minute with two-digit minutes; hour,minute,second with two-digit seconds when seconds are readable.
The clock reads 5,07
